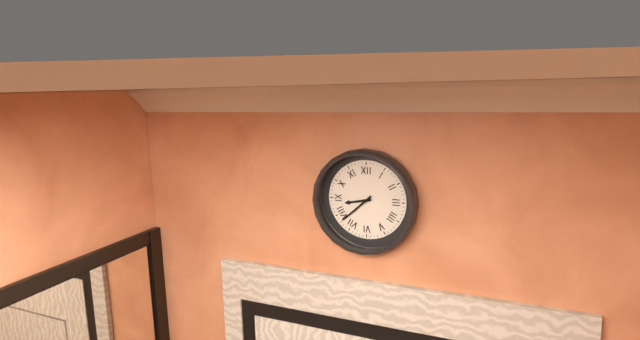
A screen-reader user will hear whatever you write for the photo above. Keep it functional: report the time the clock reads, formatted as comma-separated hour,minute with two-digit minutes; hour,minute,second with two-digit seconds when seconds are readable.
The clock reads 8,38
